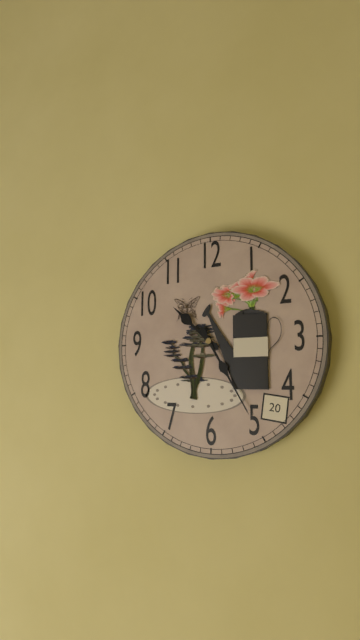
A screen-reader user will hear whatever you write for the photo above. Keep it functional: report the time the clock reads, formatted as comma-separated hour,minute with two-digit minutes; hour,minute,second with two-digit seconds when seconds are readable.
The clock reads 10,25
